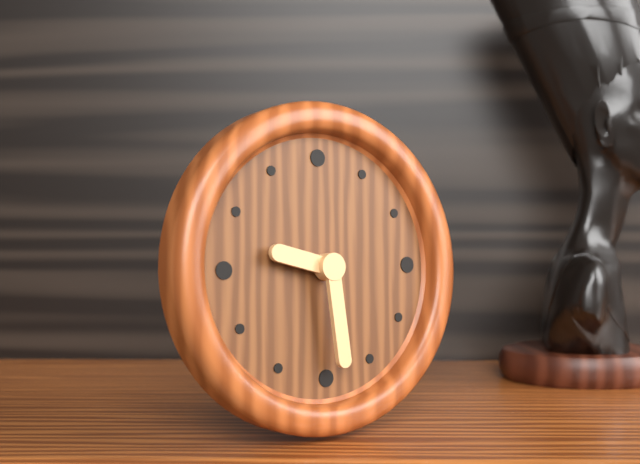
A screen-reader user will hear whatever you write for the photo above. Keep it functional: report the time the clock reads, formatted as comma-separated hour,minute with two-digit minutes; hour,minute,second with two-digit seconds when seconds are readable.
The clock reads 9,29
